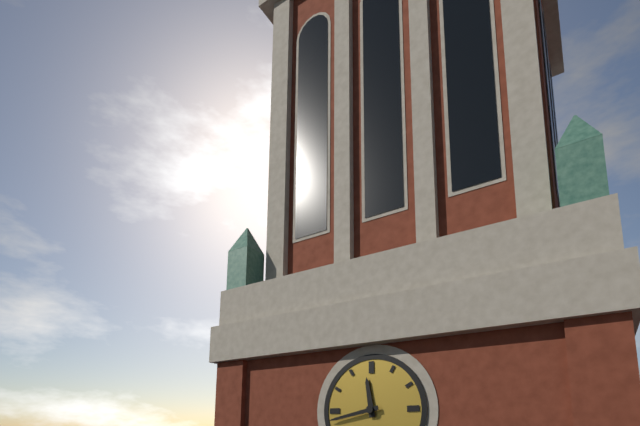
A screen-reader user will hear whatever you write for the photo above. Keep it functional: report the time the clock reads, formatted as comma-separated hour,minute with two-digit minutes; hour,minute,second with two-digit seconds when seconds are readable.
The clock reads 11,43
